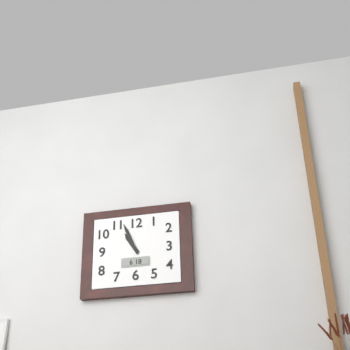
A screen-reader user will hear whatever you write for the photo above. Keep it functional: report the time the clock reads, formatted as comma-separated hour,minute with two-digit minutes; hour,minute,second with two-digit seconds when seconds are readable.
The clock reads 10,56
